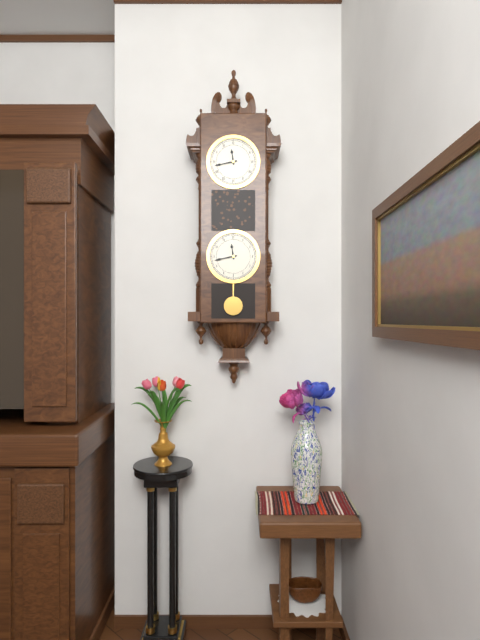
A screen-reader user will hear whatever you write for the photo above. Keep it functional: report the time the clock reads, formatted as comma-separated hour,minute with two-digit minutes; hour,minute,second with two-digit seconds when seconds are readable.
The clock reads 11,43
